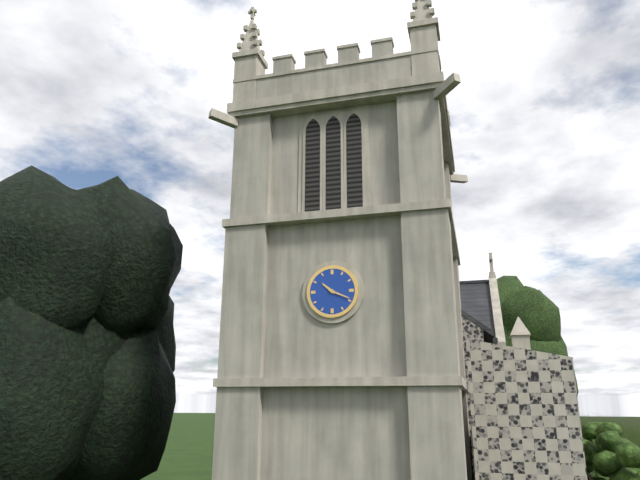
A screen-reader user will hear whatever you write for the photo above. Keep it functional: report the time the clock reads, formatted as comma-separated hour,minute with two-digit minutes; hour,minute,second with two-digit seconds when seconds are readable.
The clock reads 10,19
